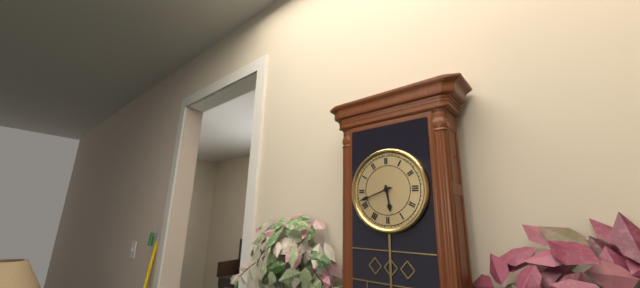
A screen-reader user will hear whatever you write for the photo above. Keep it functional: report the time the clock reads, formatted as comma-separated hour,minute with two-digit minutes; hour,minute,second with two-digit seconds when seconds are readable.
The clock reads 5,42
